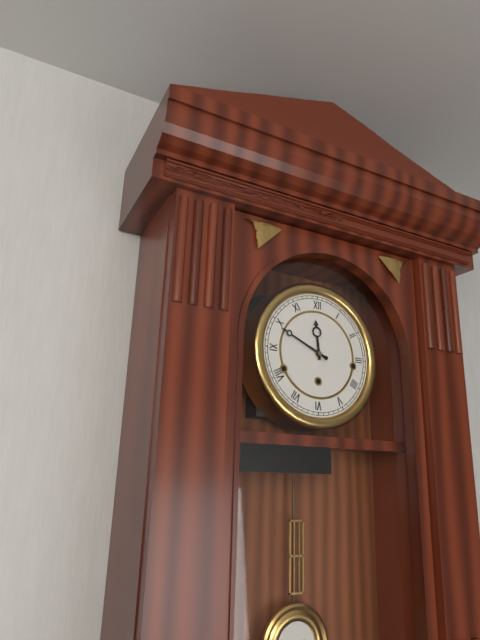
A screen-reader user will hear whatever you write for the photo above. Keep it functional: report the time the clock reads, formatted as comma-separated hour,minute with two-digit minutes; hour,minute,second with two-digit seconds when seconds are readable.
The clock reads 11,49
